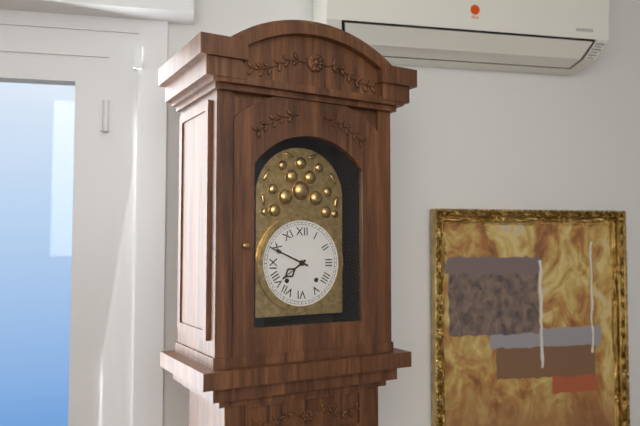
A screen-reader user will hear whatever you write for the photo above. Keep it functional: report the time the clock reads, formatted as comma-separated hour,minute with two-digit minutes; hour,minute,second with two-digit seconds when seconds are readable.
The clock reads 7,49
